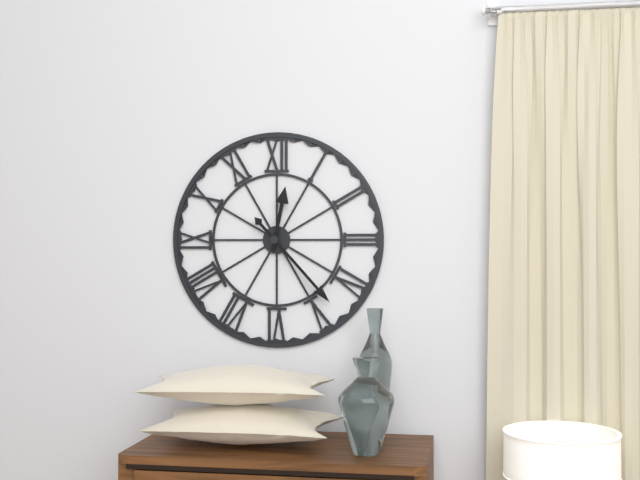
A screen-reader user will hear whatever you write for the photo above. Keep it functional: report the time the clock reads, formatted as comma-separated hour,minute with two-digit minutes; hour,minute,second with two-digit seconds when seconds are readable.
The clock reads 12,23
